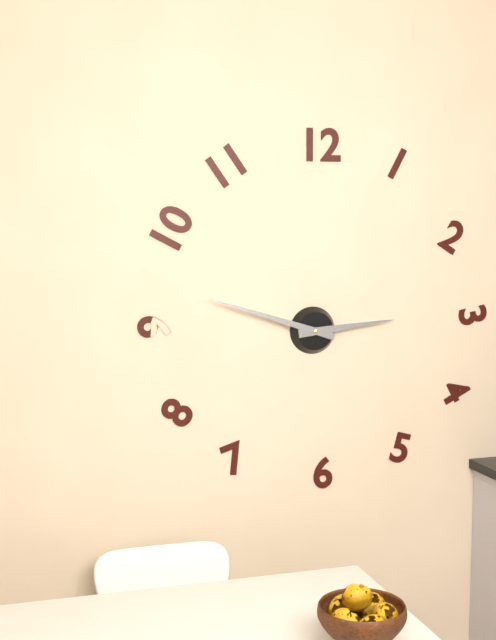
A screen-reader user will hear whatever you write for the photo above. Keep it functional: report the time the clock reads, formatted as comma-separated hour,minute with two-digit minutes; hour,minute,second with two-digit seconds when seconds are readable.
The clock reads 2,48
